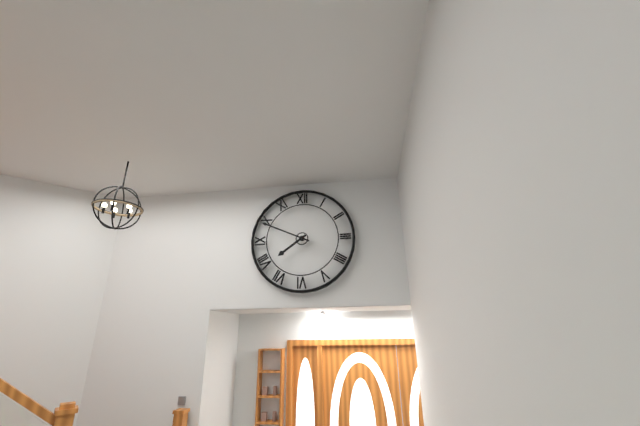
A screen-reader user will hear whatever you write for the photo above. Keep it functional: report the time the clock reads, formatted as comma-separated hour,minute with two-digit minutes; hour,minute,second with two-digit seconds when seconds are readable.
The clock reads 7,49
